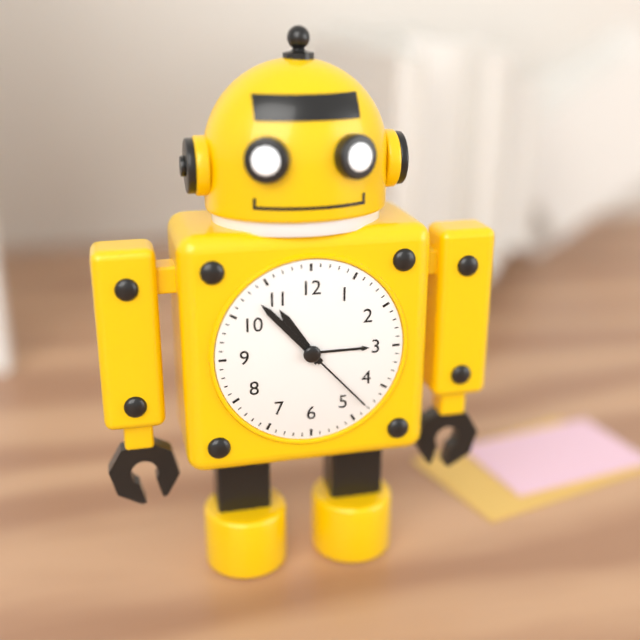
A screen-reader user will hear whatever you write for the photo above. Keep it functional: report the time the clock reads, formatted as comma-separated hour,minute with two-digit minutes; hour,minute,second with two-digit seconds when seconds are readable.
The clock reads 10,53,23
